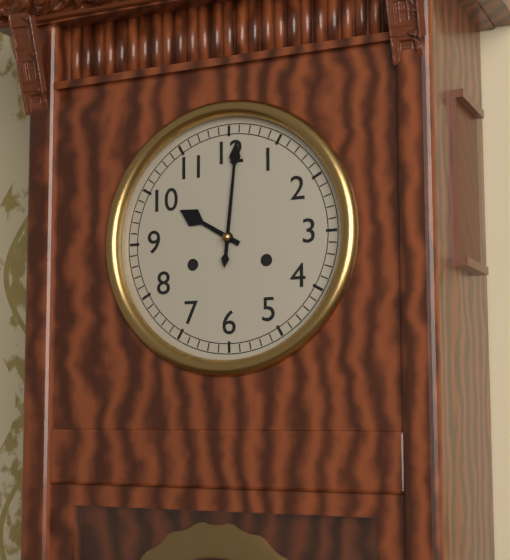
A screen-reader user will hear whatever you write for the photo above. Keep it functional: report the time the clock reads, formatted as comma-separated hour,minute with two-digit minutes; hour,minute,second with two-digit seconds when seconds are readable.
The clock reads 10,01
